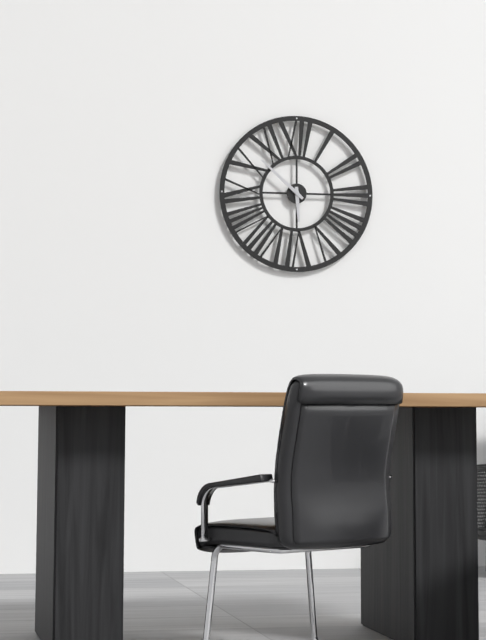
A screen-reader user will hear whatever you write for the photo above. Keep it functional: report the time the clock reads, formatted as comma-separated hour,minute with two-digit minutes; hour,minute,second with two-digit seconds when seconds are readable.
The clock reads 5,52
